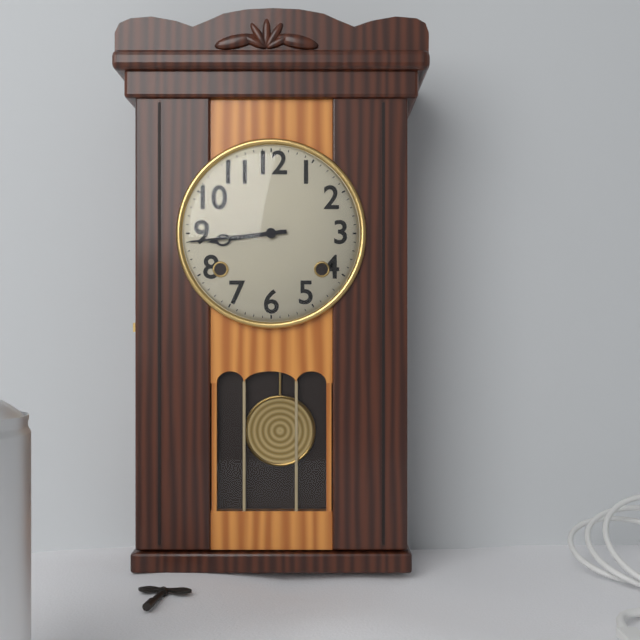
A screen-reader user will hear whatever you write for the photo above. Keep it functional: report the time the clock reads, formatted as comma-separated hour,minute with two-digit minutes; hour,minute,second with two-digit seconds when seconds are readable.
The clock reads 8,44
